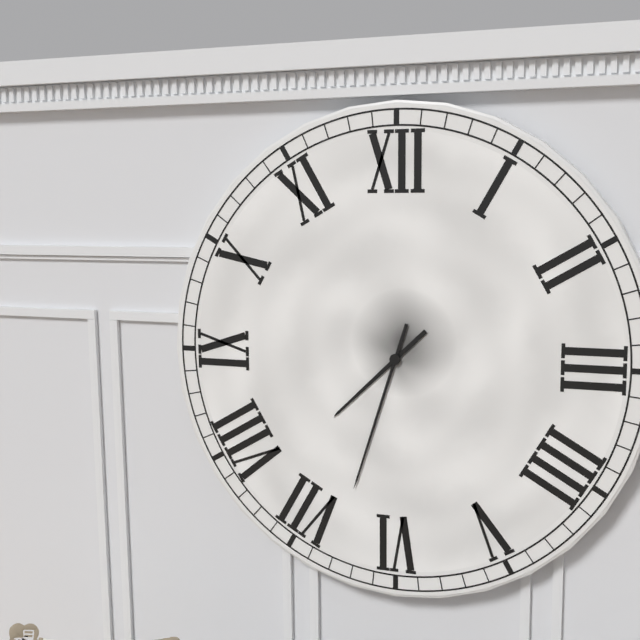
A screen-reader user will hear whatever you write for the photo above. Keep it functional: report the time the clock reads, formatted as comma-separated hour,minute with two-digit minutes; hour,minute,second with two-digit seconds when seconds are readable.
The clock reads 7,33
